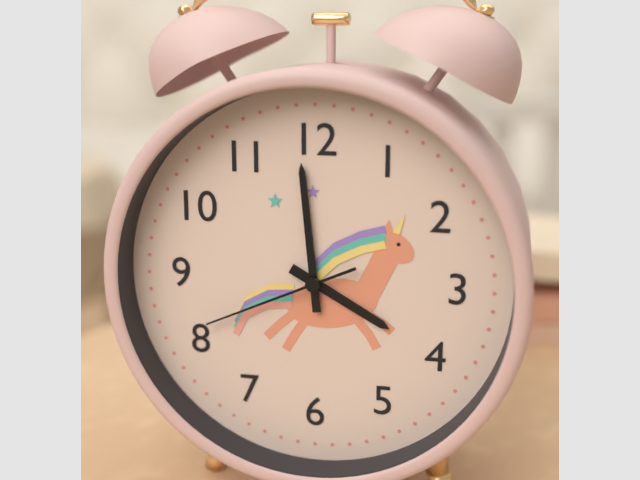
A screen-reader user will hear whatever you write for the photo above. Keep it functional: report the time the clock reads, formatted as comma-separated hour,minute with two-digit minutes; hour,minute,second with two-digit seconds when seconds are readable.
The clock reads 3,59,41
